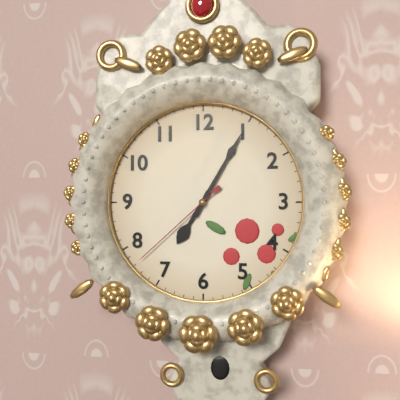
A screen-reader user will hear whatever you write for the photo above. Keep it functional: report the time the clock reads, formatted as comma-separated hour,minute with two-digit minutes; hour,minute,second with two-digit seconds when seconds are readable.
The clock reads 7,05,38
